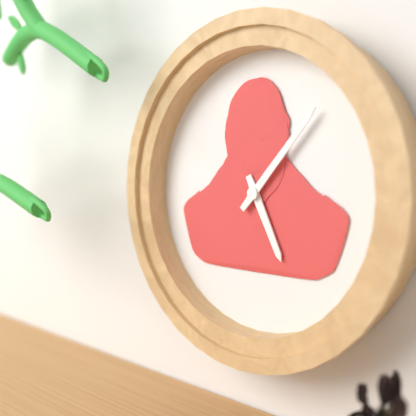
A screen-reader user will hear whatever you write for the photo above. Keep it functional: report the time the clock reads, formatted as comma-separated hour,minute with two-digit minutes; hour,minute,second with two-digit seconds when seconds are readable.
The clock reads 5,07
